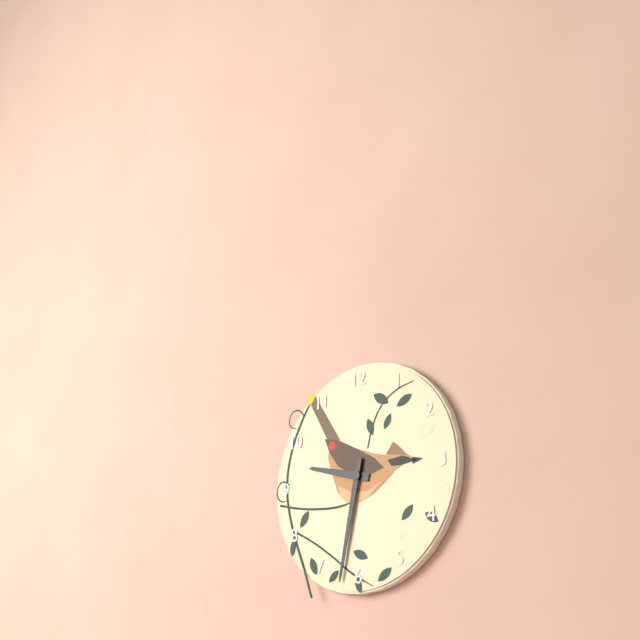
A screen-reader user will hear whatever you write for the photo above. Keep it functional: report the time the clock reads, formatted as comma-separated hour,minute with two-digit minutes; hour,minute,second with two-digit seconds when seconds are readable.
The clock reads 9,32
